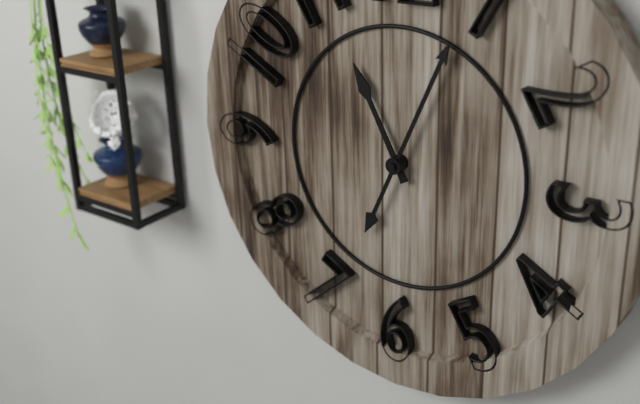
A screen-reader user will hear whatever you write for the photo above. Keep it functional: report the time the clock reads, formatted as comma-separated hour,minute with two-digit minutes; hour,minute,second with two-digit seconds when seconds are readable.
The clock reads 11,04
